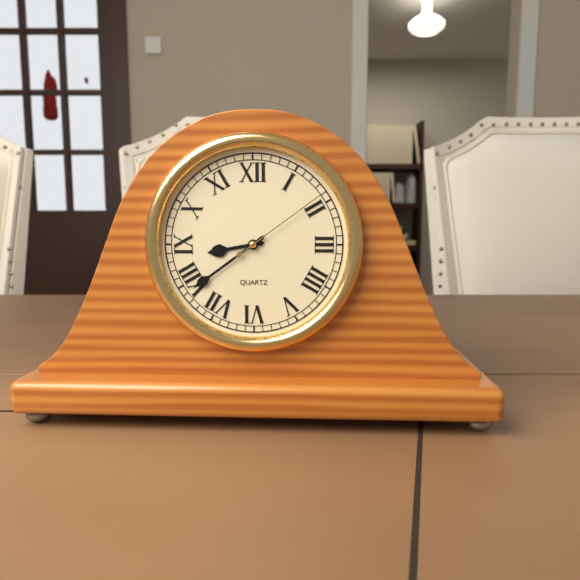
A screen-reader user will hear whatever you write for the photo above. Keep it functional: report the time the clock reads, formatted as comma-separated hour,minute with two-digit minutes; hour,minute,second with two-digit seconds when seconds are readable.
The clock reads 8,39,09
